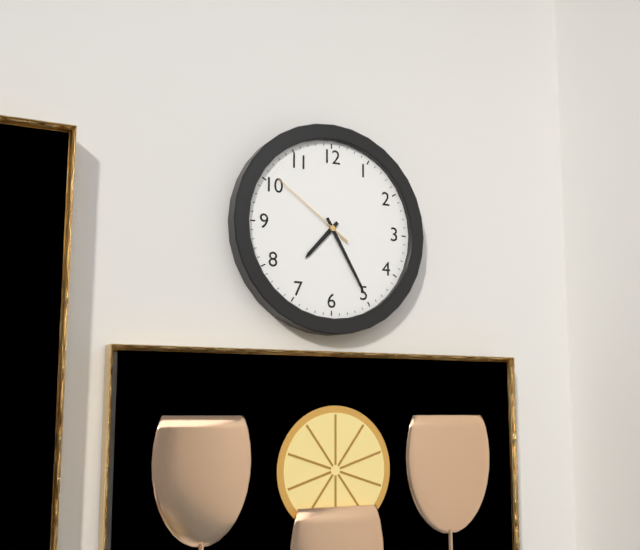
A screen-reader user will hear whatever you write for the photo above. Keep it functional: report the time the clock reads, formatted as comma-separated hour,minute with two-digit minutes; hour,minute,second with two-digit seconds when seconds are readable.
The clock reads 7,25,51
